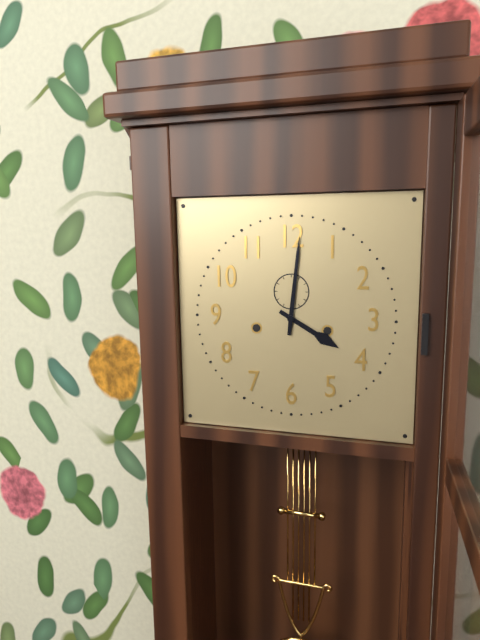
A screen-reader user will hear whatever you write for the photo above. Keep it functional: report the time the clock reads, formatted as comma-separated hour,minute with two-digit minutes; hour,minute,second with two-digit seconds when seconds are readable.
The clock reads 4,01
